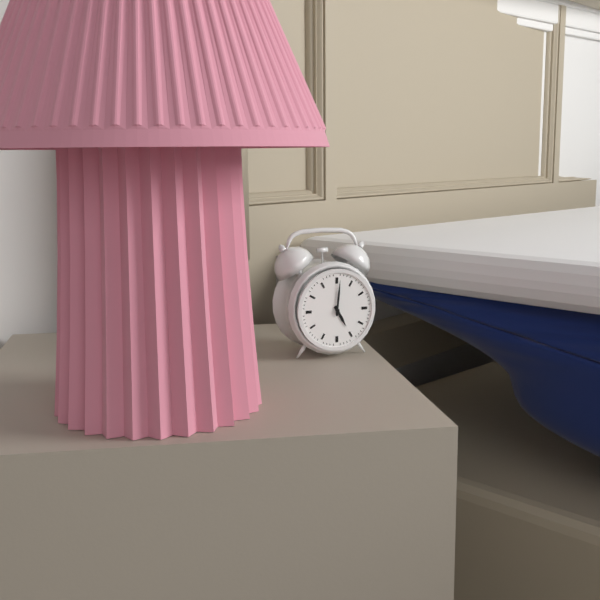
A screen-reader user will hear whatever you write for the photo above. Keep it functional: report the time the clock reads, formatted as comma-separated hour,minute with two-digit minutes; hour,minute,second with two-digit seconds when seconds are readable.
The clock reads 5,01
